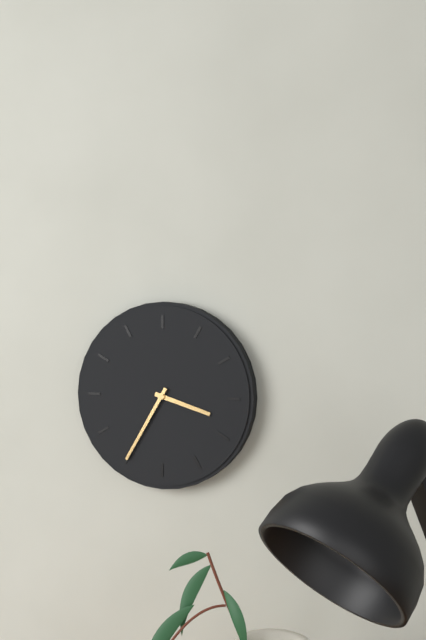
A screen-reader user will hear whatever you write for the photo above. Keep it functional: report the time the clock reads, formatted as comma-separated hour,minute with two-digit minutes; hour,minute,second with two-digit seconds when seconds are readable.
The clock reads 3,35
